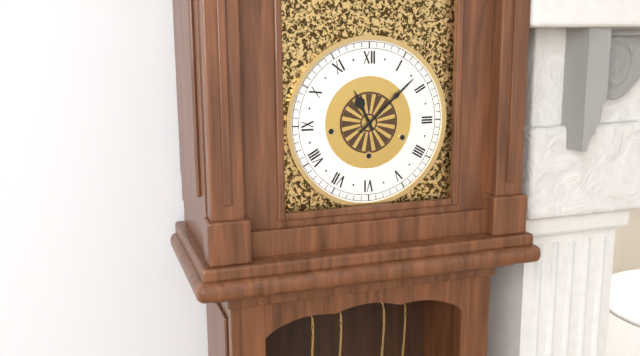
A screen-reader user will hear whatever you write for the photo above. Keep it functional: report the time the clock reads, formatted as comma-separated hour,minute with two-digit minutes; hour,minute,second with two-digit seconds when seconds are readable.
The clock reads 11,08
